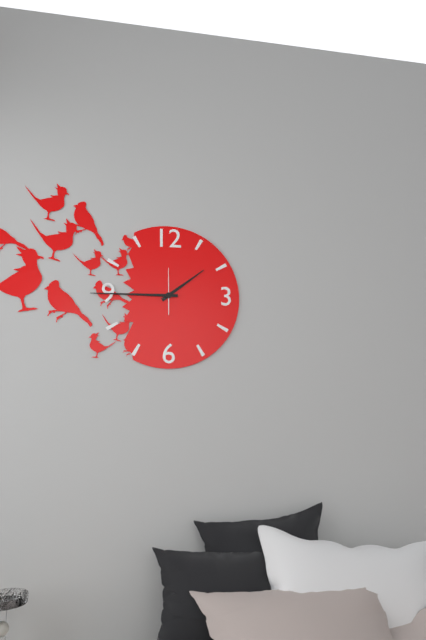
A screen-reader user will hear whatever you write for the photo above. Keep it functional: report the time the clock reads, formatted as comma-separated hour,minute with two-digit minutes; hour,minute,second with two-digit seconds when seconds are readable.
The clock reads 1,45
